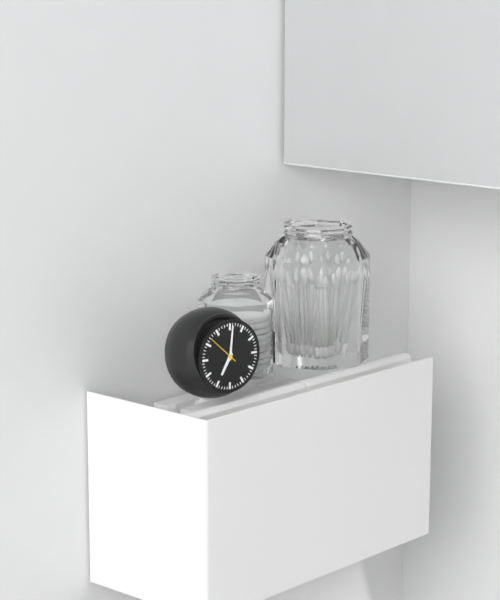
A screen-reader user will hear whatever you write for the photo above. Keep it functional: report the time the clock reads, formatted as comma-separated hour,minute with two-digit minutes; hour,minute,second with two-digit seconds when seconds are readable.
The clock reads 7,01
